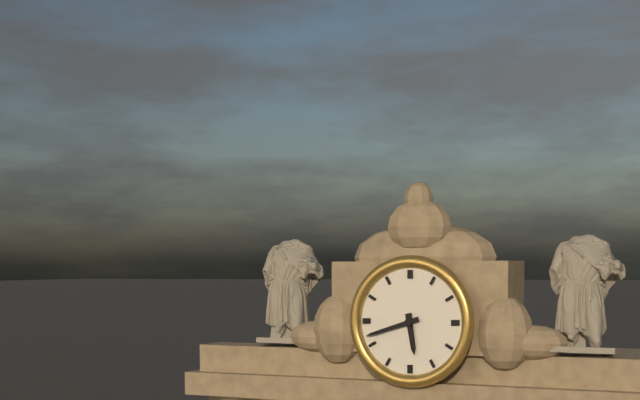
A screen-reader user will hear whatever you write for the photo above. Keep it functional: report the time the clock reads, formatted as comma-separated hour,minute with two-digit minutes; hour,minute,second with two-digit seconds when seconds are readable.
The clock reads 5,42
